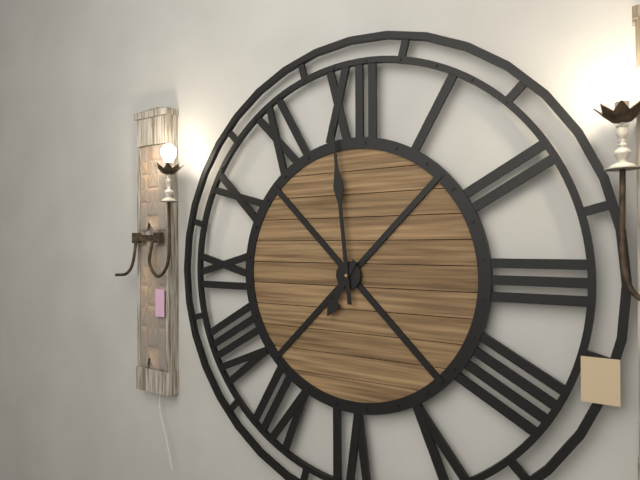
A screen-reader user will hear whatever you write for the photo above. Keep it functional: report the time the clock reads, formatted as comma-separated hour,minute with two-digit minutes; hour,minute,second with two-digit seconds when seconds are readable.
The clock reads 6,59
